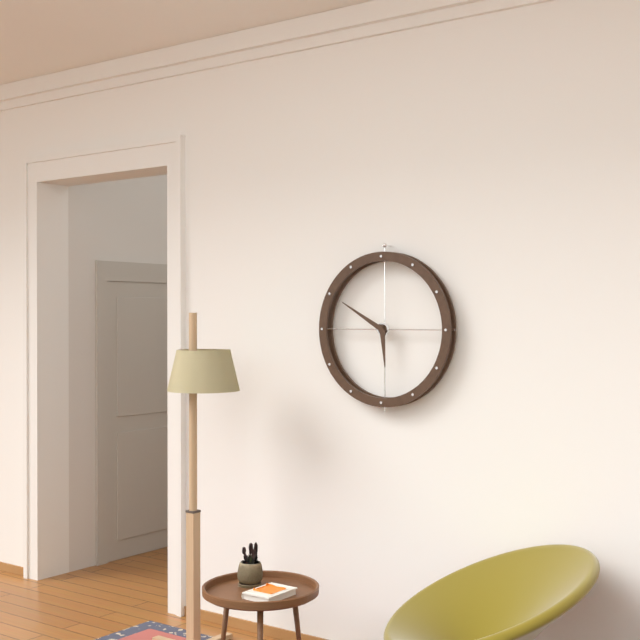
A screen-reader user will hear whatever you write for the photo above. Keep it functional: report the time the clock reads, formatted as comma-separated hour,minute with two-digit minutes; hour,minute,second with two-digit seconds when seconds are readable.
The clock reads 5,50
